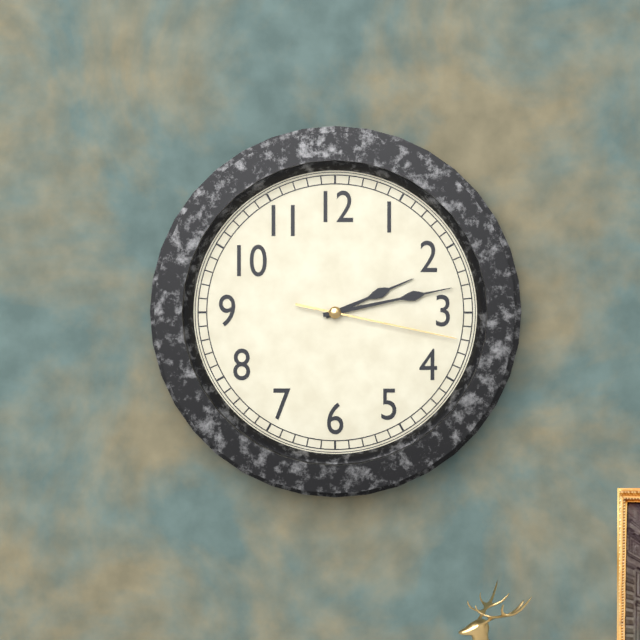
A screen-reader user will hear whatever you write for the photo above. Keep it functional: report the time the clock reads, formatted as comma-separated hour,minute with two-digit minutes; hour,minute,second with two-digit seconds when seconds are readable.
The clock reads 2,13,17
